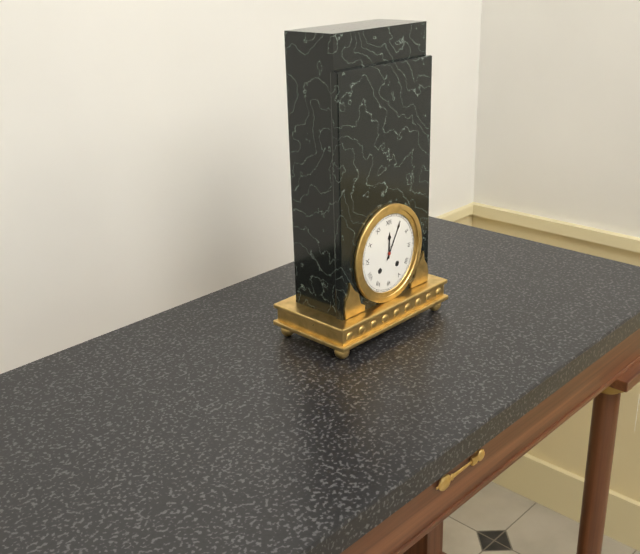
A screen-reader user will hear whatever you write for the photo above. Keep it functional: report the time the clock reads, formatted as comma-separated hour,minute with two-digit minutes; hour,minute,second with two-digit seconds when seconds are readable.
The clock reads 12,05
